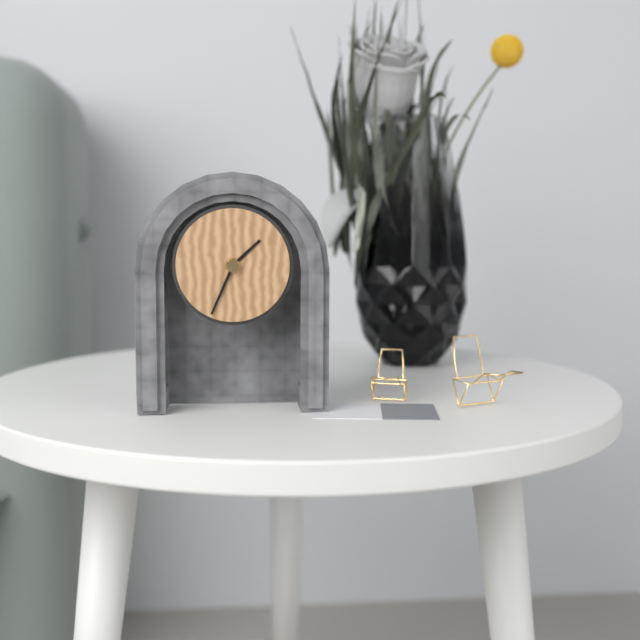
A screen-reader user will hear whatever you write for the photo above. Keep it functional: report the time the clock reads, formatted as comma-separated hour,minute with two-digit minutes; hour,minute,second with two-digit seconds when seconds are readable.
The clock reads 1,34
